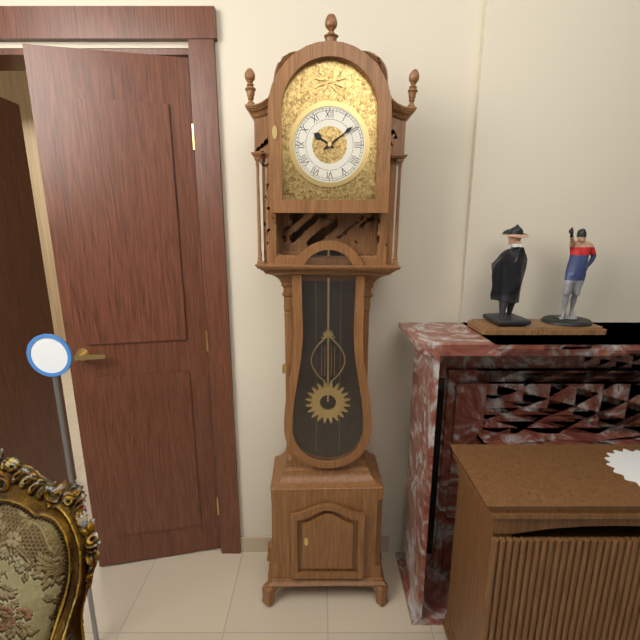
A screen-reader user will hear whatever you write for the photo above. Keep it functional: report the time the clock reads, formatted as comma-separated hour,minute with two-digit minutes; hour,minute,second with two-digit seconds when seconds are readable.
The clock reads 10,09
